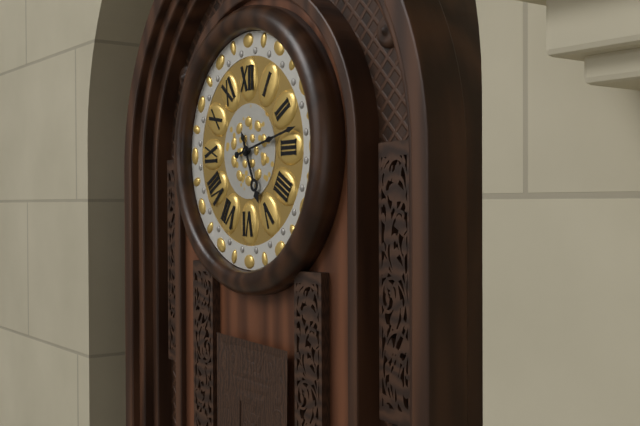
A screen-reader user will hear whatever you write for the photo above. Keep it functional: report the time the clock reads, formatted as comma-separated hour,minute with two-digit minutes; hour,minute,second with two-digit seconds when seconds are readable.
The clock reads 5,13
